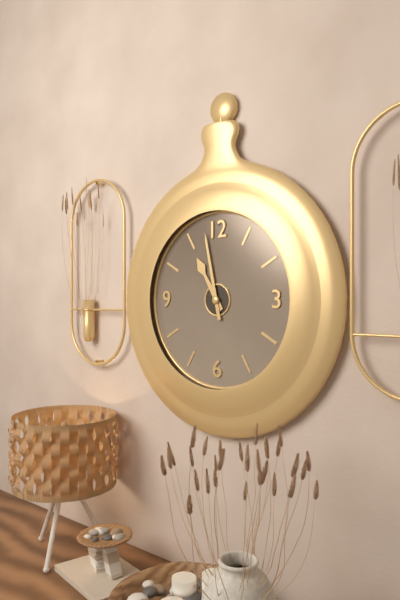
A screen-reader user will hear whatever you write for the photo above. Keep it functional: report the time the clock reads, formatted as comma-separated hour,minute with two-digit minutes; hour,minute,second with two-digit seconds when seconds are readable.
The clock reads 10,58
